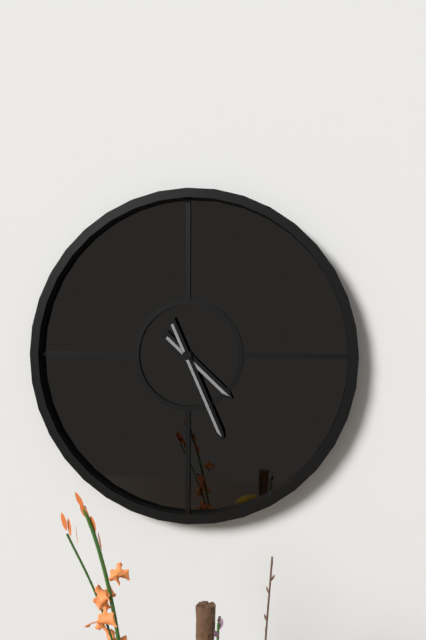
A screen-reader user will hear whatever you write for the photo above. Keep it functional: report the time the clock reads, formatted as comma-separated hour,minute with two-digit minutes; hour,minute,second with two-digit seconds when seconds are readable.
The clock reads 4,26
